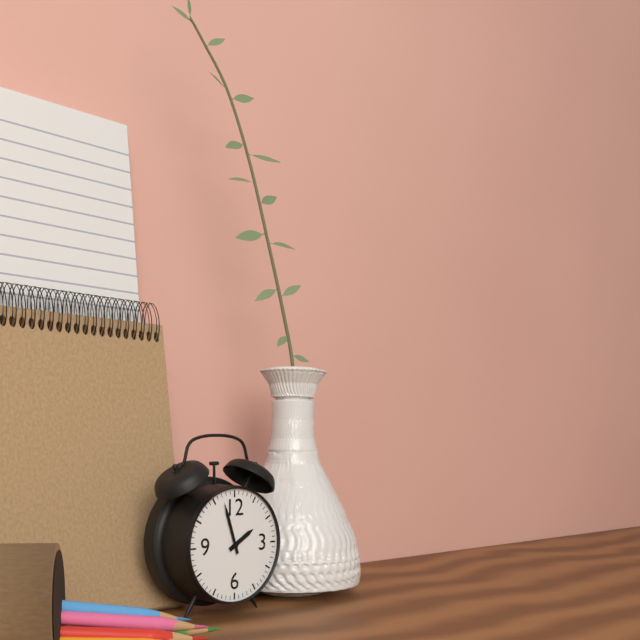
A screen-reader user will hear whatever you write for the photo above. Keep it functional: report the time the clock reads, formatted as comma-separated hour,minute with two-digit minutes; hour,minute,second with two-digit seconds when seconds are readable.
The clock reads 1,57
